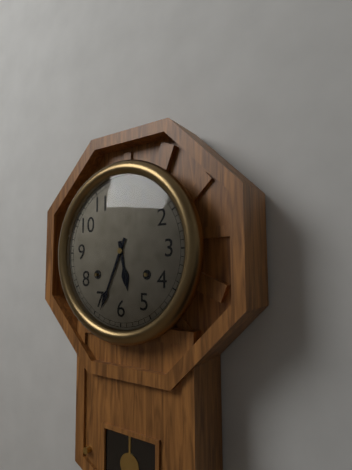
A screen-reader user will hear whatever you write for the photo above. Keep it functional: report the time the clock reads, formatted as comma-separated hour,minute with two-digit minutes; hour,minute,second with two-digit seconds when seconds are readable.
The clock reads 5,34
